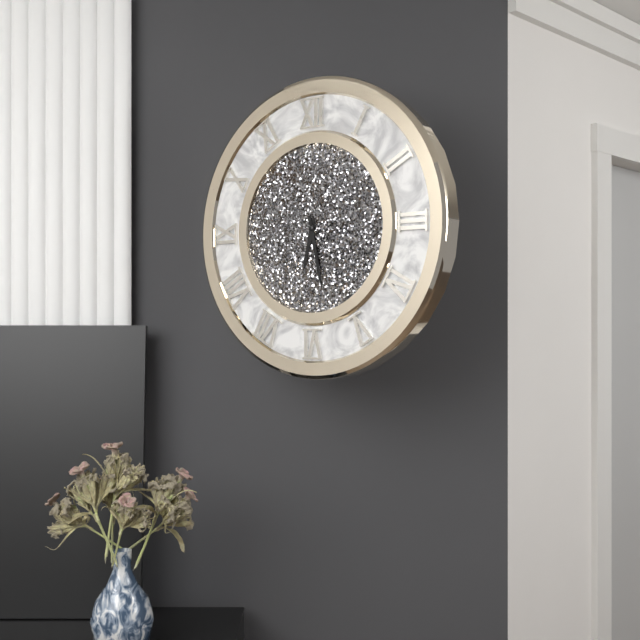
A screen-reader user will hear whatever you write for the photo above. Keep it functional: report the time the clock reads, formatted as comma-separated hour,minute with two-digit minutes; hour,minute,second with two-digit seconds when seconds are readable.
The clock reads 6,28
